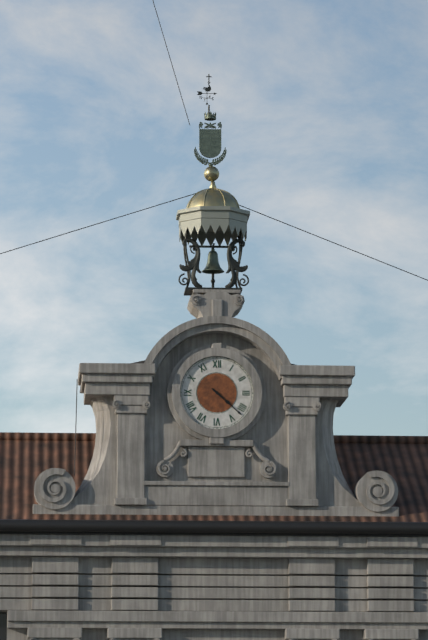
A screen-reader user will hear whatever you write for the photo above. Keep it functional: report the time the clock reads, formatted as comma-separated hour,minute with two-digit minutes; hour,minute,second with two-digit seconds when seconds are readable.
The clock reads 4,22
